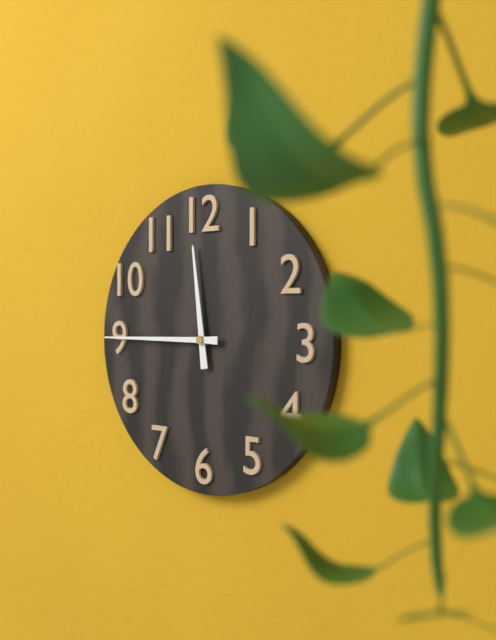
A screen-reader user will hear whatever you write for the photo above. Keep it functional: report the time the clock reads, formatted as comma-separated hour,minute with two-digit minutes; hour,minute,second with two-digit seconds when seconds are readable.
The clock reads 11,45
